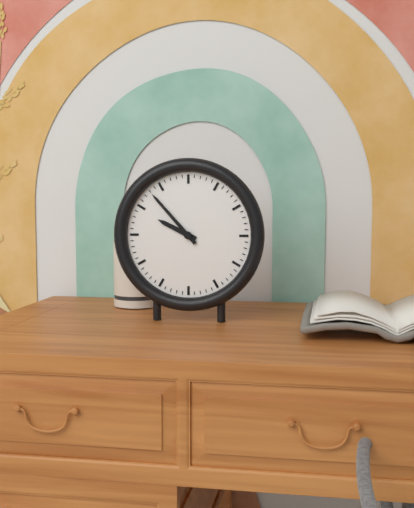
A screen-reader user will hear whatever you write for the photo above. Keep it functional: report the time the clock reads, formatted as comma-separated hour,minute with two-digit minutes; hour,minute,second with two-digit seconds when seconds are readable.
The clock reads 9,53
